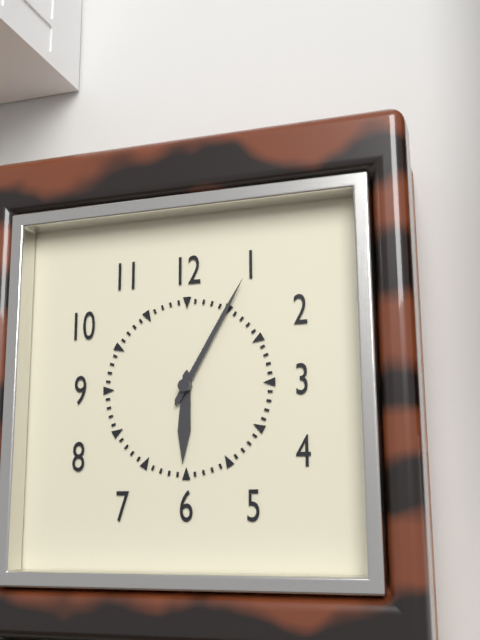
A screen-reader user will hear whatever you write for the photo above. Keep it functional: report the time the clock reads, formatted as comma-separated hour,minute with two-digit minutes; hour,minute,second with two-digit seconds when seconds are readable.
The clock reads 6,05
